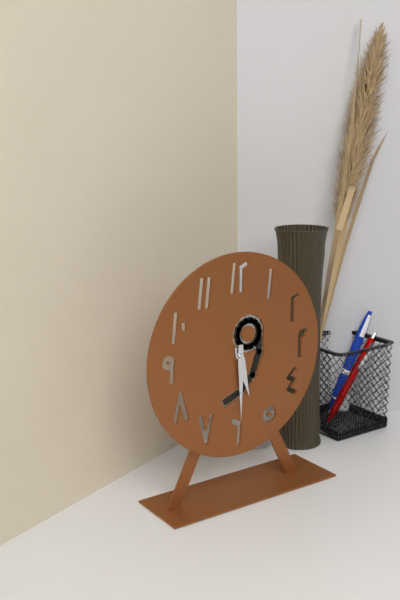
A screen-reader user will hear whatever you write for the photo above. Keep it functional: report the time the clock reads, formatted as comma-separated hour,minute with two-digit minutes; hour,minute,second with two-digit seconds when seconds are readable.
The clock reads 5,30
